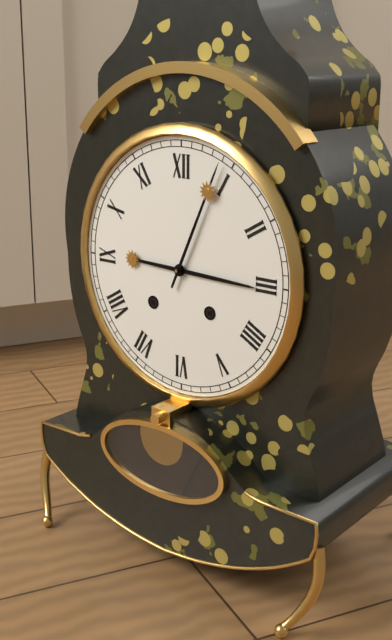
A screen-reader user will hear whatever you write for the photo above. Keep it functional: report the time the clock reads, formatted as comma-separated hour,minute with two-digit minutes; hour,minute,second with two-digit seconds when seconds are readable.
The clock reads 3,04
